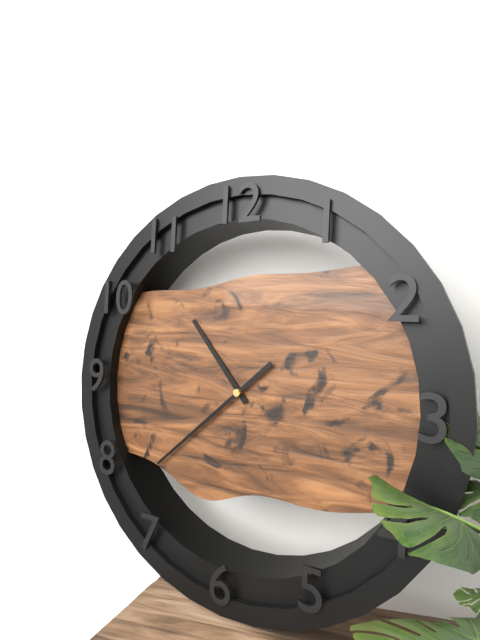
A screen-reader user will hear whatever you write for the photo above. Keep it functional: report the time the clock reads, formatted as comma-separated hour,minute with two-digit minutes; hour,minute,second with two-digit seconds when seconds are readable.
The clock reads 10,38
